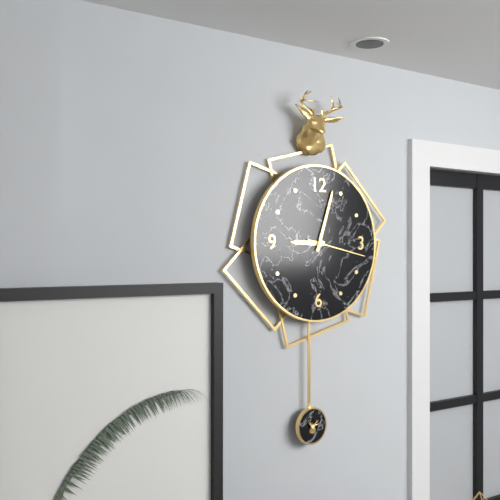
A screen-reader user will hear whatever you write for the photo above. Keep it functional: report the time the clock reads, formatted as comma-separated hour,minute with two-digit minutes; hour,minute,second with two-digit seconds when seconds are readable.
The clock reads 9,03,17
